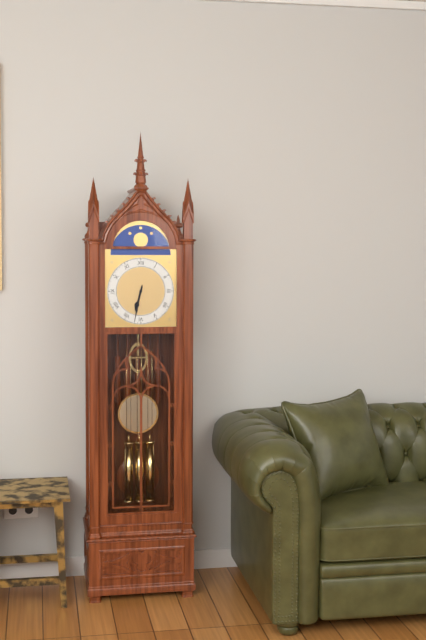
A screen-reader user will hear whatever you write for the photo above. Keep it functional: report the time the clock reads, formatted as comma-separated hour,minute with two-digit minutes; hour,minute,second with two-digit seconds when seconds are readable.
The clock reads 6,32
